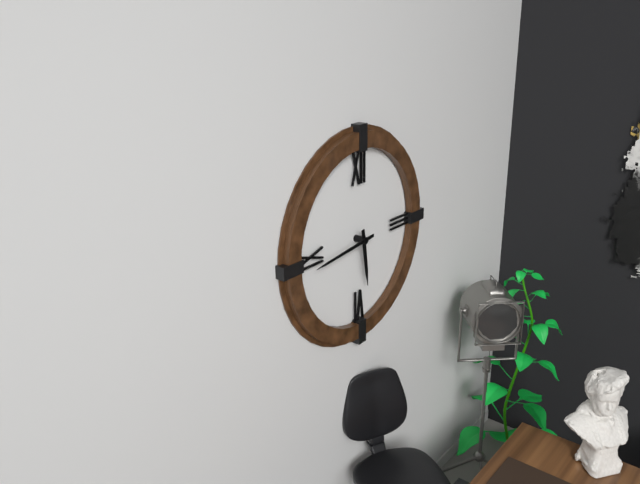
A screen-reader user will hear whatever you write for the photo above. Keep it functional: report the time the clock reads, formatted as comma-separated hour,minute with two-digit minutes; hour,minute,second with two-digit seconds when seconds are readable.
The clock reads 5,44
